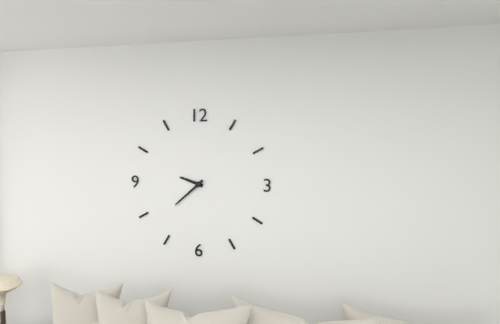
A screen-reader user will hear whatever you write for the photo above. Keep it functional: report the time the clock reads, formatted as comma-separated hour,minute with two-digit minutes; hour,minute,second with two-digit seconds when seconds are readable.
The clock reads 9,38
